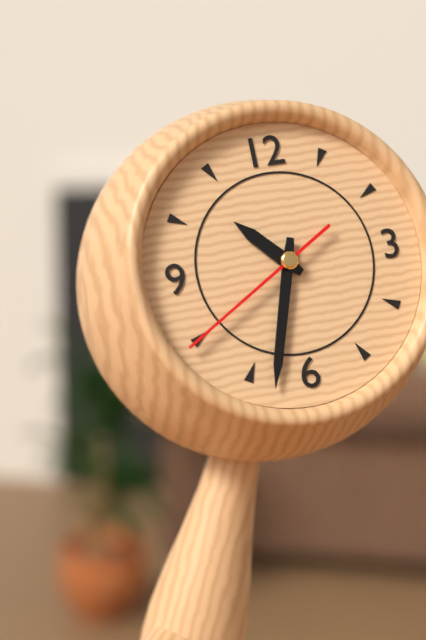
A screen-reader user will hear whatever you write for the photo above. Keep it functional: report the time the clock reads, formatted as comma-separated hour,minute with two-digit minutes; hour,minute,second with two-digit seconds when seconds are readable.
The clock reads 10,33,40
